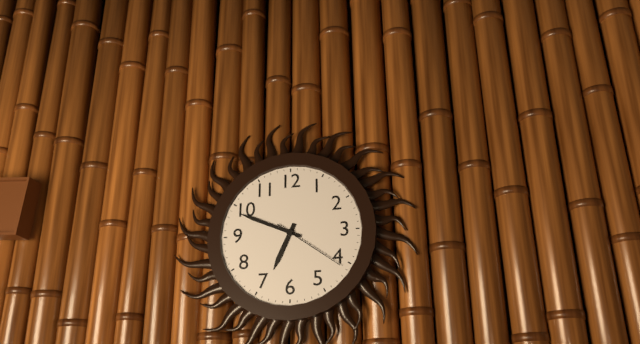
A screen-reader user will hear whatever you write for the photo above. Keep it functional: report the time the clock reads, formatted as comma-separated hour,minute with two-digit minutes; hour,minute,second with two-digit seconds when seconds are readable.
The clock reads 6,49,21
